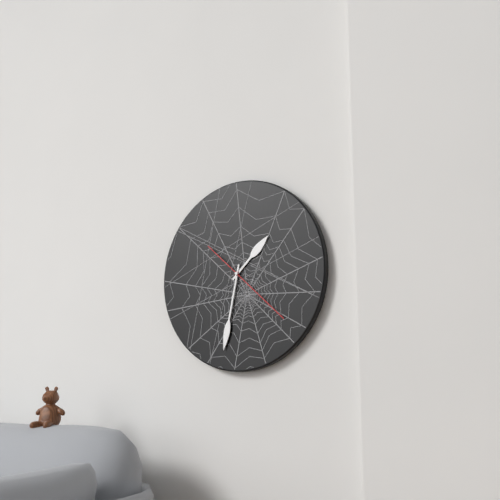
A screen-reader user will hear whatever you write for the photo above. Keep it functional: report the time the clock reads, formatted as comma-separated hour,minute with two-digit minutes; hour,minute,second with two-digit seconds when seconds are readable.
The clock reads 1,32,22
